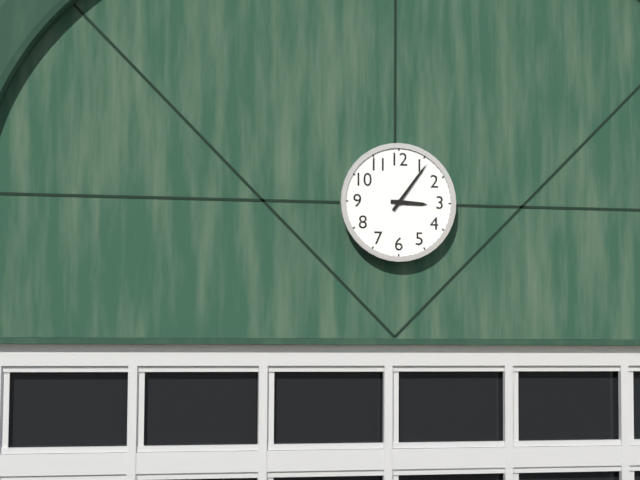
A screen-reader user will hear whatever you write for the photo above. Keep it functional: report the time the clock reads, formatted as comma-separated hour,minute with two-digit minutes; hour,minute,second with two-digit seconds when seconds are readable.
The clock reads 3,06
